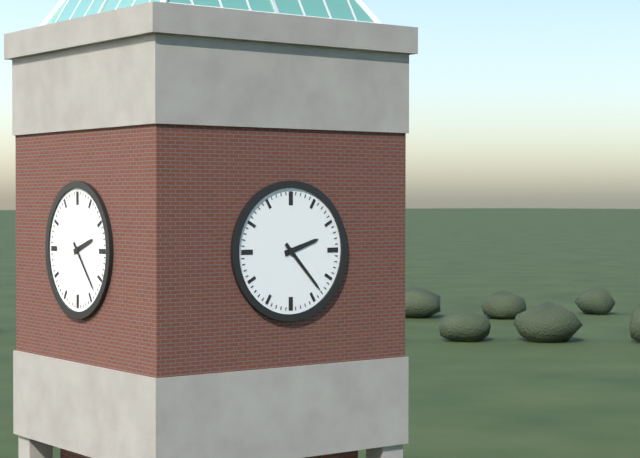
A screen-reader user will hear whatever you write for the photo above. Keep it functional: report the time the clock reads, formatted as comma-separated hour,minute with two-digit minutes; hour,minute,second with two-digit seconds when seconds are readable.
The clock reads 2,23
